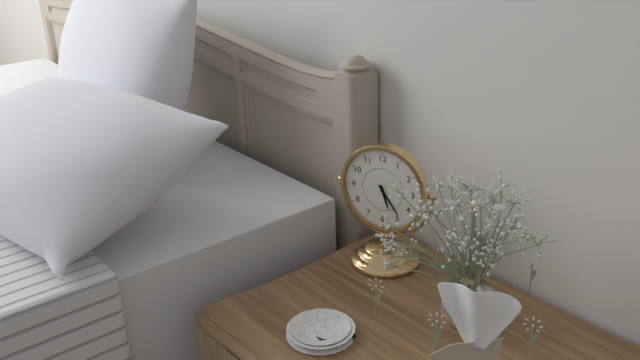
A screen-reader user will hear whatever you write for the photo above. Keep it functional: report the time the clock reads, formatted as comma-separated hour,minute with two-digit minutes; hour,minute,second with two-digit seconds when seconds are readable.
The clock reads 5,24
